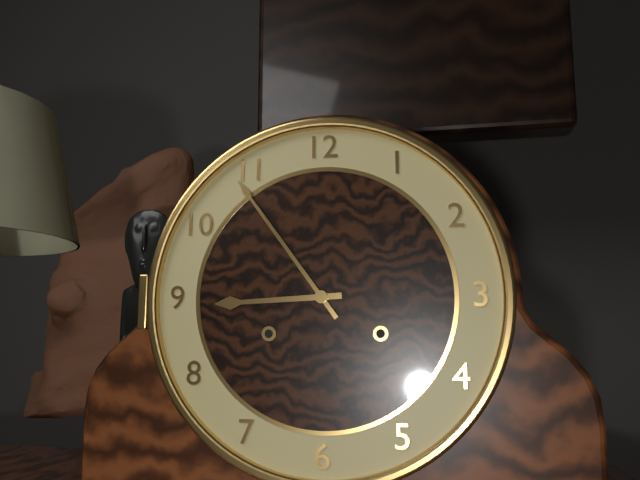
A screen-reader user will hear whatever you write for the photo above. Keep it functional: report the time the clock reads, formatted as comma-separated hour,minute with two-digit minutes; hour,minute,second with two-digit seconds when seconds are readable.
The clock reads 8,54
